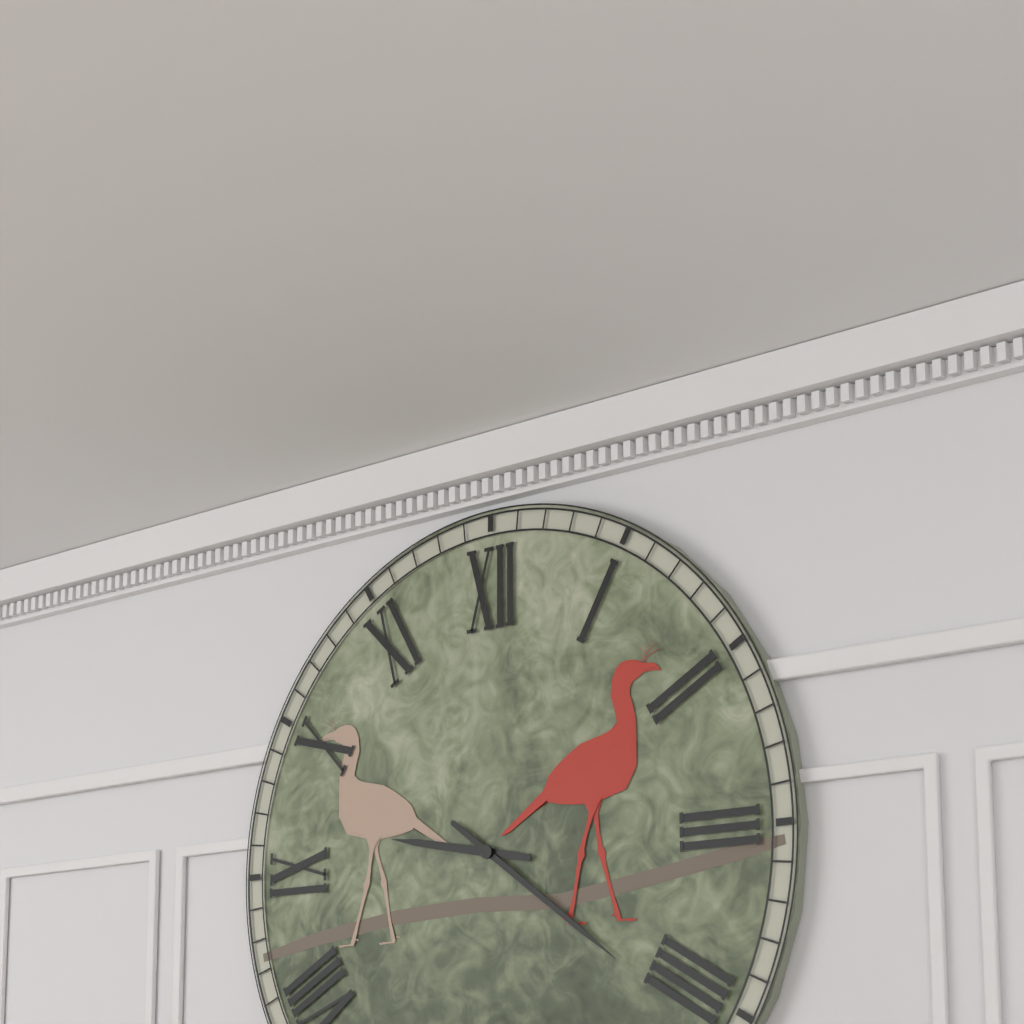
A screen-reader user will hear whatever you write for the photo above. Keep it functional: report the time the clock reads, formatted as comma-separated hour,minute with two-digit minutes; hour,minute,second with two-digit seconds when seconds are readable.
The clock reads 9,21
